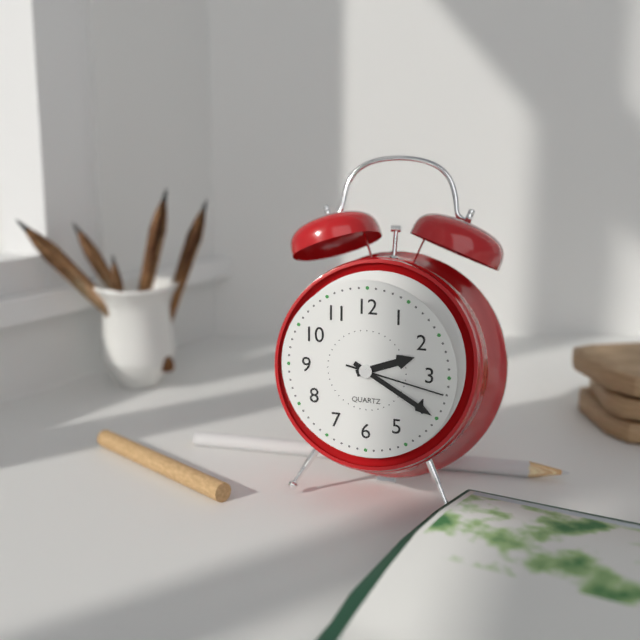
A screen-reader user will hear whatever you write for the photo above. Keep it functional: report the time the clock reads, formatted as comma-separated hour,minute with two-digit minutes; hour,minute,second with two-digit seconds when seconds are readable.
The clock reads 2,20,17
